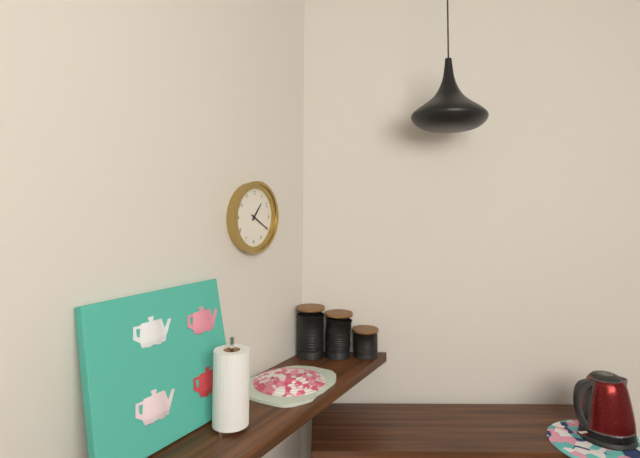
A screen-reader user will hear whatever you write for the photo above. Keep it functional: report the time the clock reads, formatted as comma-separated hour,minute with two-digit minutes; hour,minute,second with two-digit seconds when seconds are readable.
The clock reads 1,20
